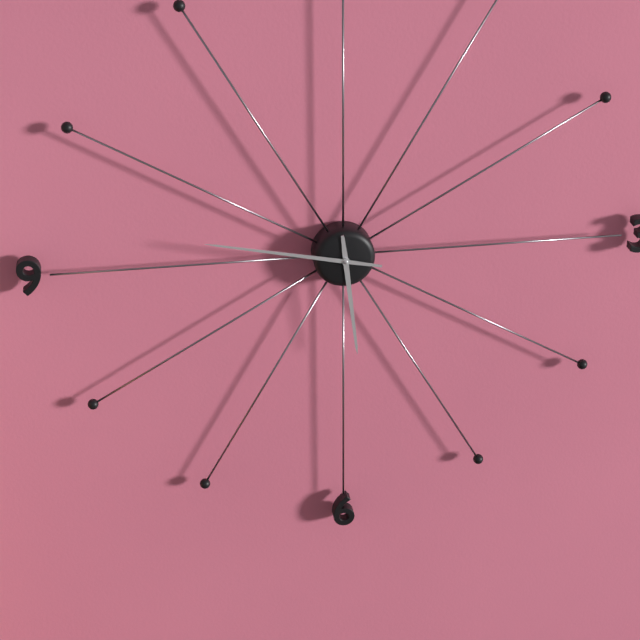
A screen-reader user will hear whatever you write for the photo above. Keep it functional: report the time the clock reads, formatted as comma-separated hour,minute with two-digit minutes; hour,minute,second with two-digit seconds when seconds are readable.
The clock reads 5,47
